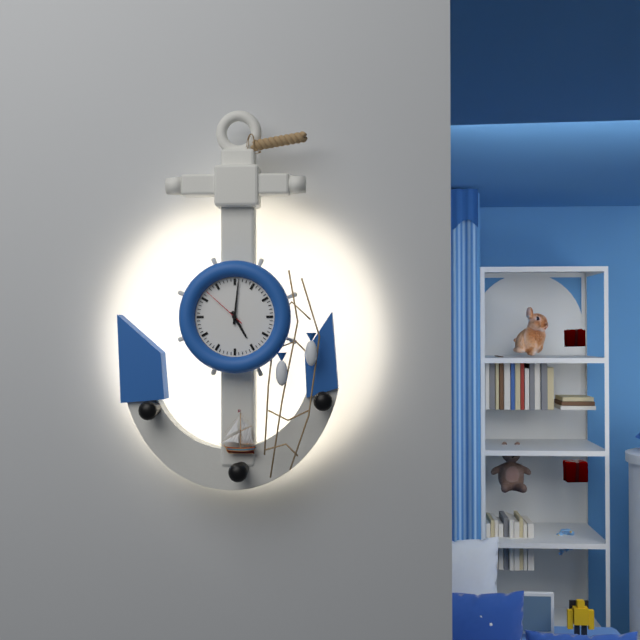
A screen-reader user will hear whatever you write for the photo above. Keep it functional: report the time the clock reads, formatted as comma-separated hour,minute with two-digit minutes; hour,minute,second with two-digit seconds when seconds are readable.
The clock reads 5,01
